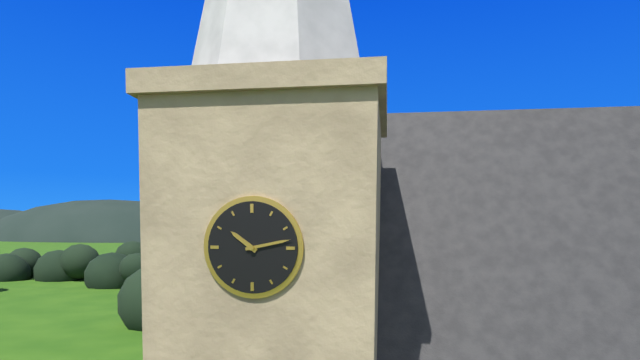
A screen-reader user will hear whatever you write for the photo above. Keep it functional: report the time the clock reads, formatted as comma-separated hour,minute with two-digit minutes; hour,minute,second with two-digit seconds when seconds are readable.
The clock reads 10,13
